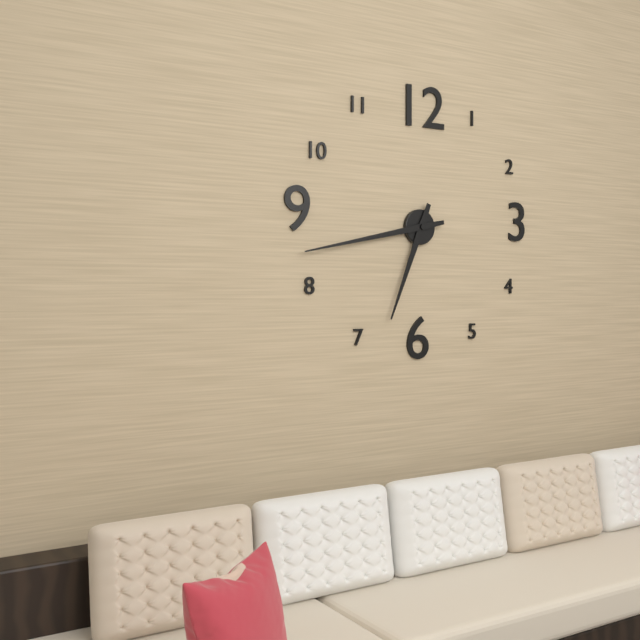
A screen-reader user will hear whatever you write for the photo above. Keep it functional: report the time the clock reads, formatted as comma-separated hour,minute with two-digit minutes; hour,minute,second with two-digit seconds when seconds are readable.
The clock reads 6,43
